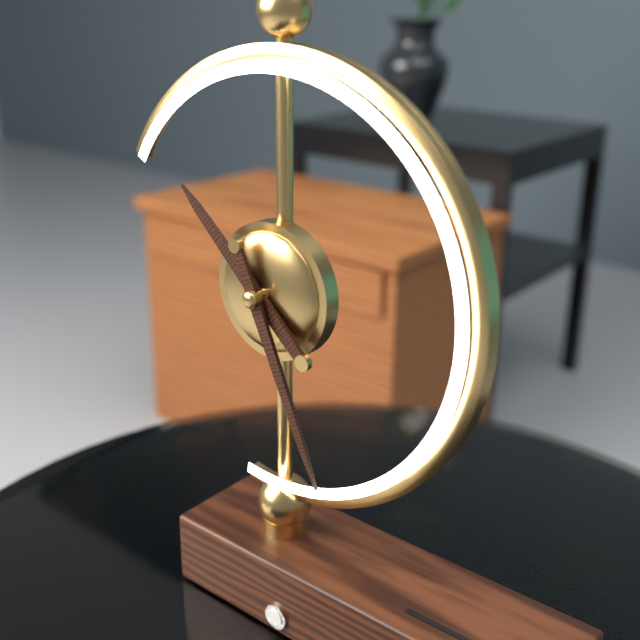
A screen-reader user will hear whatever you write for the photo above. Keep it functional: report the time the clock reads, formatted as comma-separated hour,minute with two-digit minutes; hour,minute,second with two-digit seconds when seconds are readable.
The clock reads 10,26
